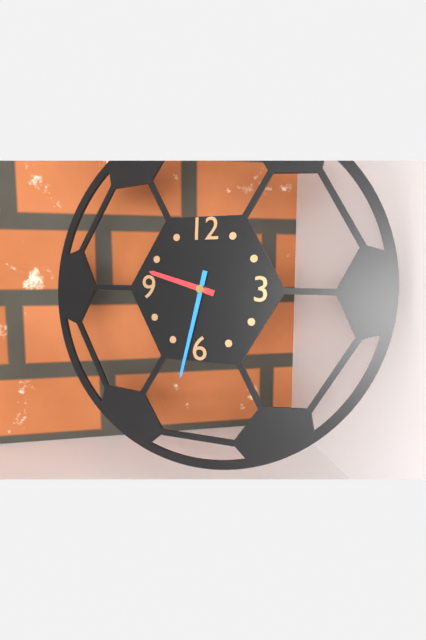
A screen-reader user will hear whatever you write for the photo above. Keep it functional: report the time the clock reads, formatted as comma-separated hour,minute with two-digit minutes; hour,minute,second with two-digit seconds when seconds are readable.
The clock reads 9,32
